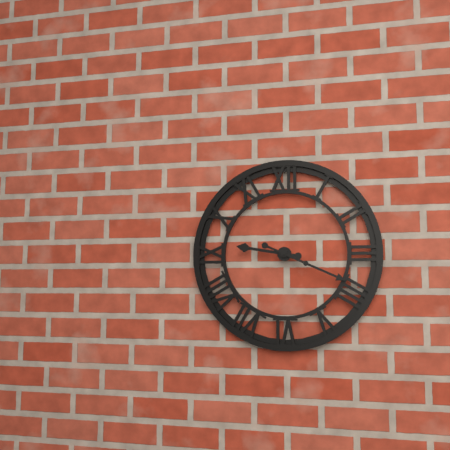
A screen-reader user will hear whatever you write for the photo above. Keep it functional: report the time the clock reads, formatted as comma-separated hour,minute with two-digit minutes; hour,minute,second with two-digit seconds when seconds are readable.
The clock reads 9,19
